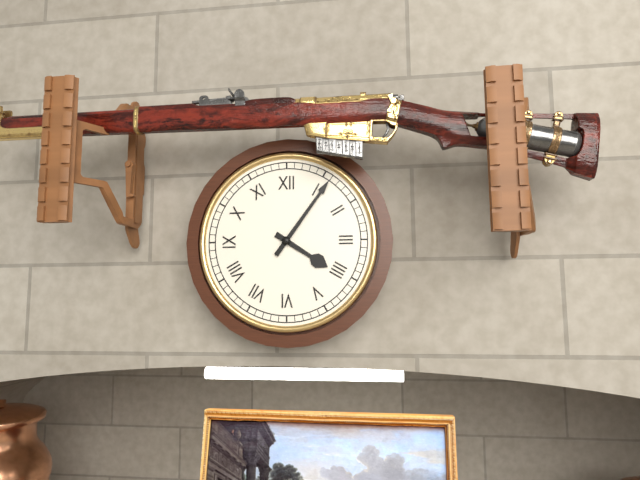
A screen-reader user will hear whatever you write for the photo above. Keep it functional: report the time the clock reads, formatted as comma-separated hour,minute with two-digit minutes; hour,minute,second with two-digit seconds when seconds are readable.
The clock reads 4,06
